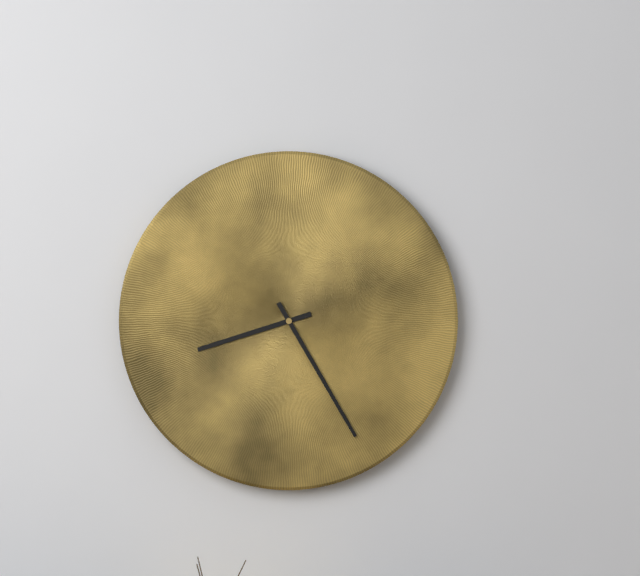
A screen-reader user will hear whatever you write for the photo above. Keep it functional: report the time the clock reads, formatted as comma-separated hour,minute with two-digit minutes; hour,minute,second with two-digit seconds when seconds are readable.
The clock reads 8,25
